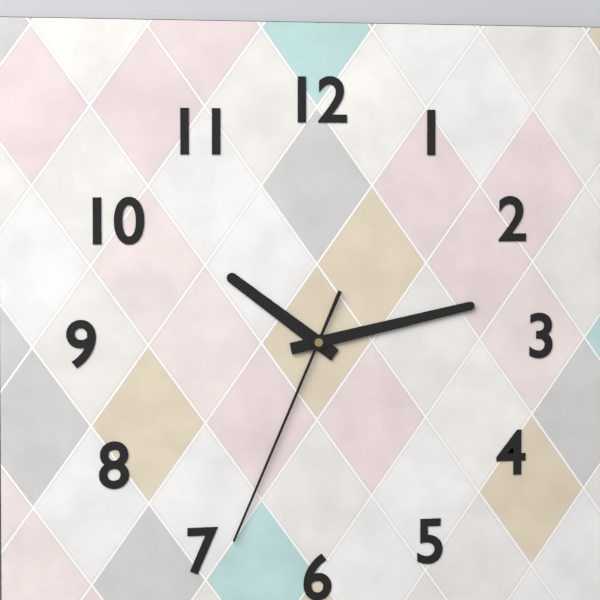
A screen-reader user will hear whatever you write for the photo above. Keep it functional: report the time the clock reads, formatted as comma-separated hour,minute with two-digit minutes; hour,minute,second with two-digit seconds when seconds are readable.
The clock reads 10,13,34
